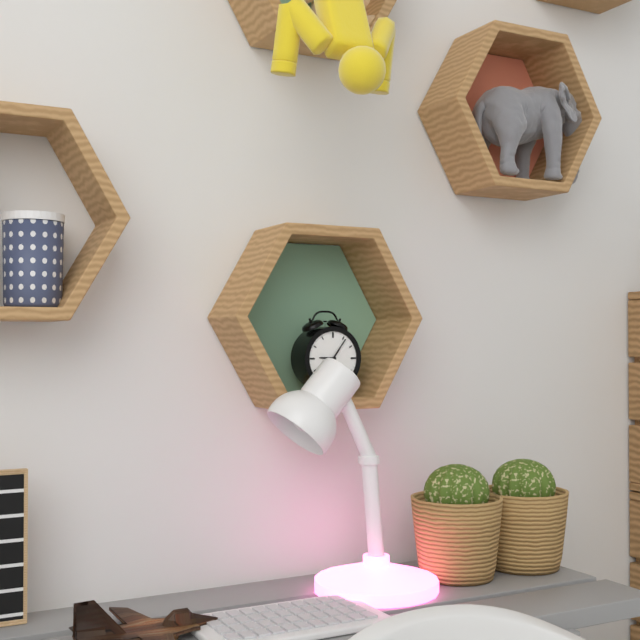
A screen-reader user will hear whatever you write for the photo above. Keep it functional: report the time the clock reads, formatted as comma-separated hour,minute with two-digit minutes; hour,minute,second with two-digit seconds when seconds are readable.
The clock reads 9,06
